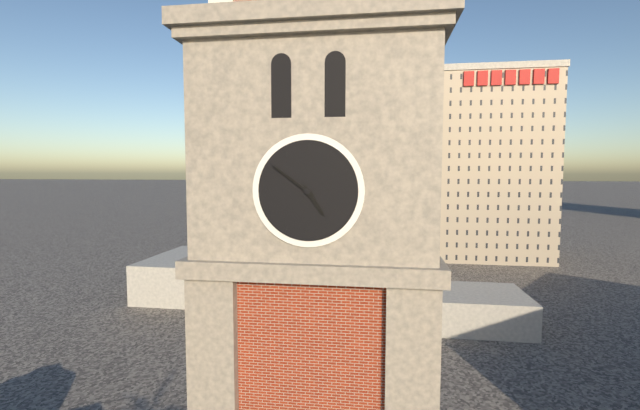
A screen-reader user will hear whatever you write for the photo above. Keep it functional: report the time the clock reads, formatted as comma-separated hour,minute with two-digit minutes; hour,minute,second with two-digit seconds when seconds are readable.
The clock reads 4,51
